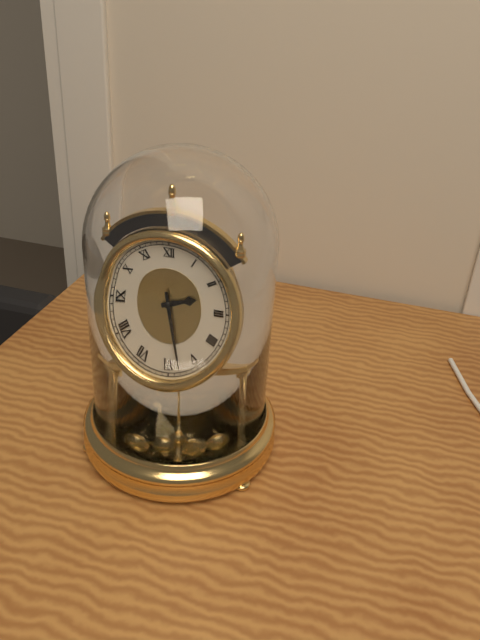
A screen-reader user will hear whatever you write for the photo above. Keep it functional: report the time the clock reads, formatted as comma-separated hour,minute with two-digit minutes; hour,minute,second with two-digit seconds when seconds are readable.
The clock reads 2,28
